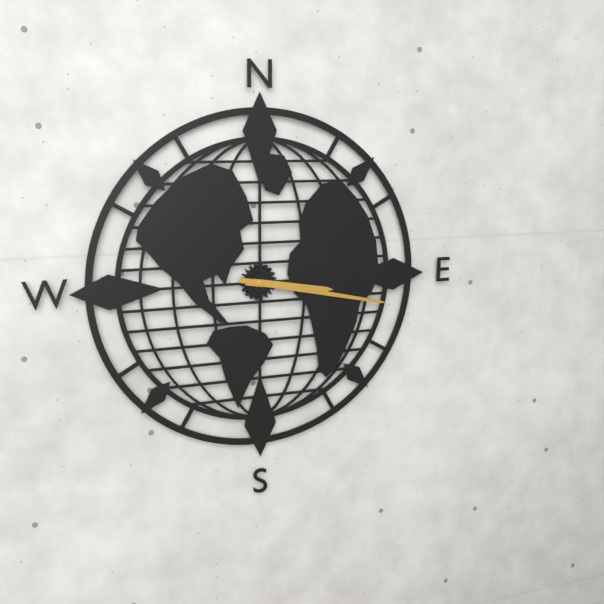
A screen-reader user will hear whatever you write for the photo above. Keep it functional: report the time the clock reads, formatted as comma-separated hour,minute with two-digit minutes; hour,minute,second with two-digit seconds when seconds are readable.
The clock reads 3,17
